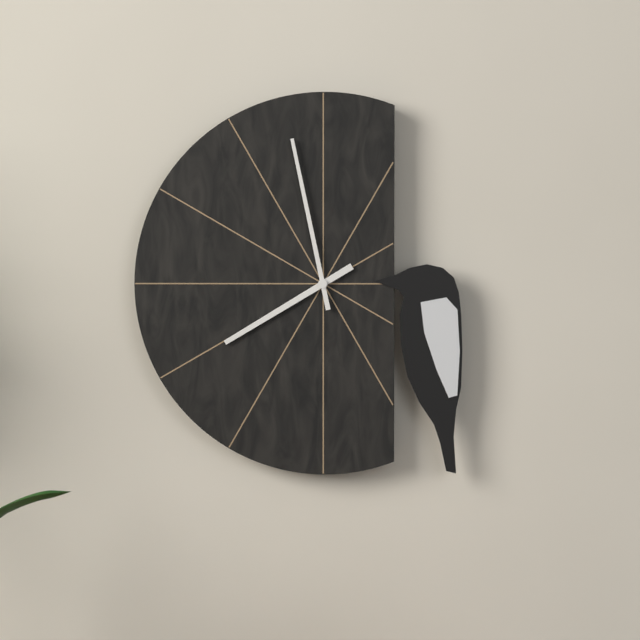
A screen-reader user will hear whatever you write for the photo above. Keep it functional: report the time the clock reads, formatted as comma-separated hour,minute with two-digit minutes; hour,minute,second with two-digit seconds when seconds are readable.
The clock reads 7,58
